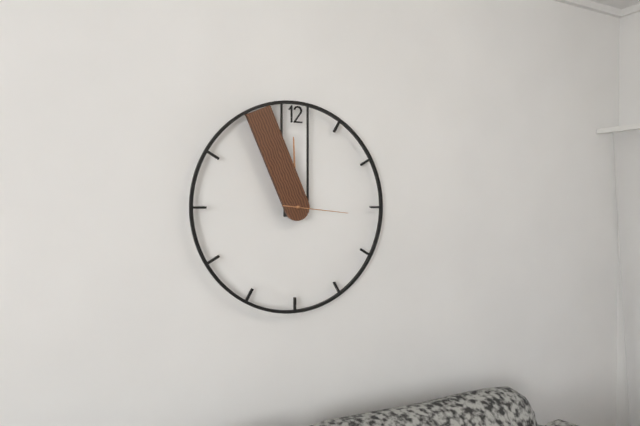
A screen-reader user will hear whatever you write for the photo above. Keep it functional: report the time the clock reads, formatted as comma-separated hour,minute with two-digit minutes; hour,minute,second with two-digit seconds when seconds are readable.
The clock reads 11,56,16
